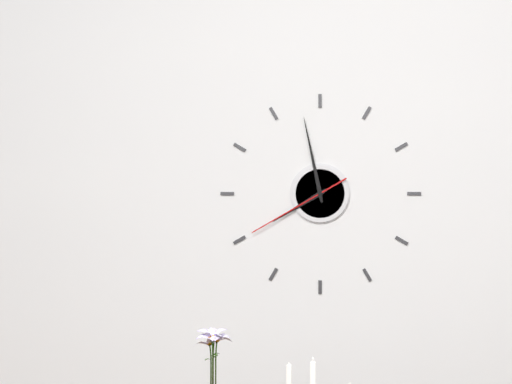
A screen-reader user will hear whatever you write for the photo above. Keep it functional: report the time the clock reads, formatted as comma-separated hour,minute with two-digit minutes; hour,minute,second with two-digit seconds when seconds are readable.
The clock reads 7,58,40
